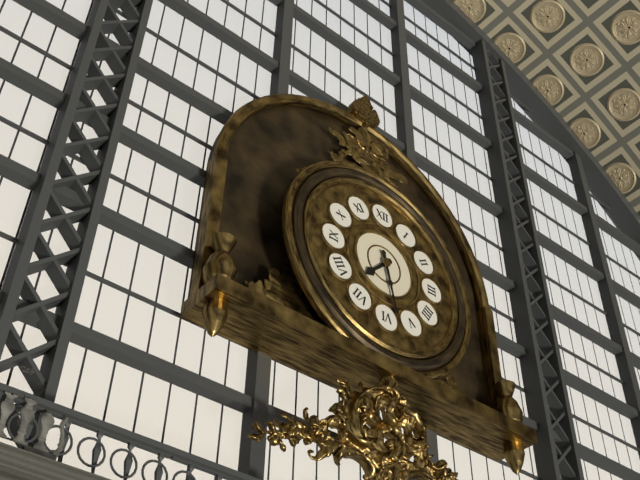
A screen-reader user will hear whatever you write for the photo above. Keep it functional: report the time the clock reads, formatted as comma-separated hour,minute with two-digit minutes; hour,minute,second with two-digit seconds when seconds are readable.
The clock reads 7,28
